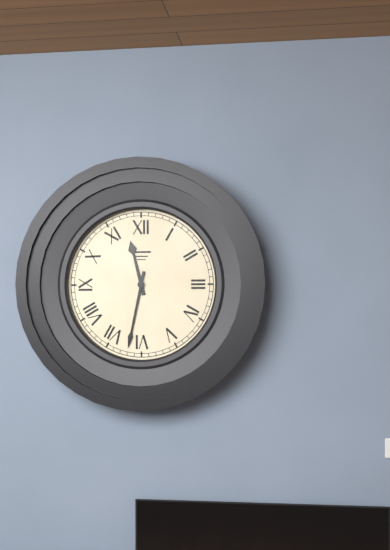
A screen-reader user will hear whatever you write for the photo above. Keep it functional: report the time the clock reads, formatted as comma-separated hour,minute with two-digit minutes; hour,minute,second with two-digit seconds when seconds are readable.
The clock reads 11,32
